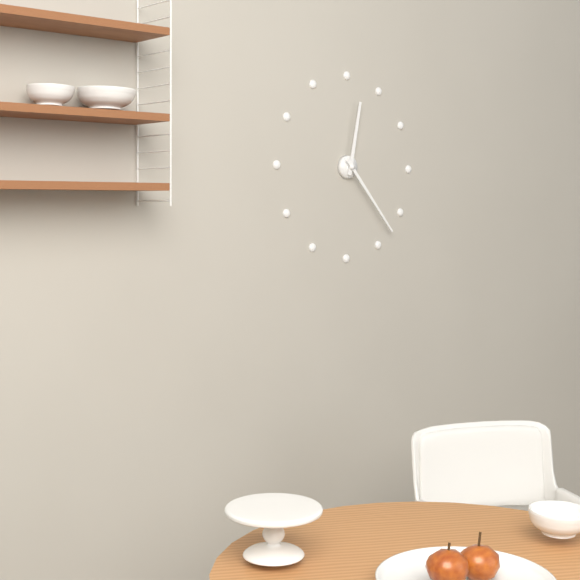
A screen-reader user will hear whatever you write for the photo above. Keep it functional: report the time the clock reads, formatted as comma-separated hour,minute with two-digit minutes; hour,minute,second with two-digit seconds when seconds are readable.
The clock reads 12,23
